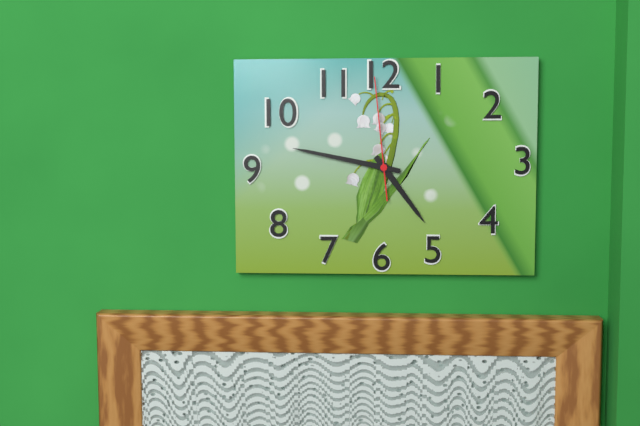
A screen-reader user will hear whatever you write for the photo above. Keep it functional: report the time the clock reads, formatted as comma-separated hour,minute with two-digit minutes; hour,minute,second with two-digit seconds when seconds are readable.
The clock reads 4,47,59
